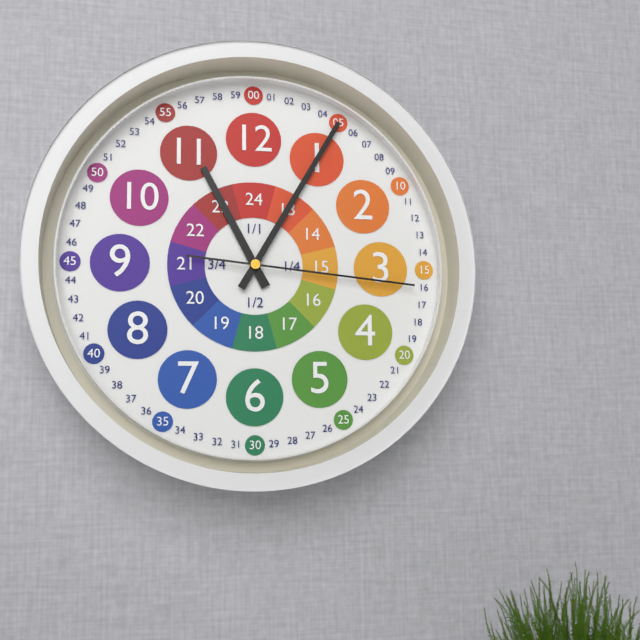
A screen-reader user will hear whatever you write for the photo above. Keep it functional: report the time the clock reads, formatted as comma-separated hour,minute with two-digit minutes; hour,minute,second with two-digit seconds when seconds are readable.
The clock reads 11,05,16
